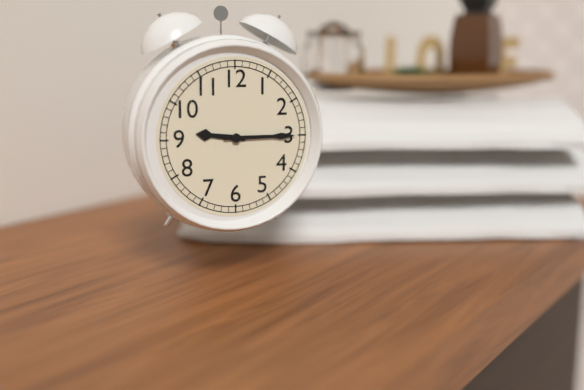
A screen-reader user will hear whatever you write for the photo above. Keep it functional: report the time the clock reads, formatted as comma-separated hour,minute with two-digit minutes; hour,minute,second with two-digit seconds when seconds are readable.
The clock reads 9,15
